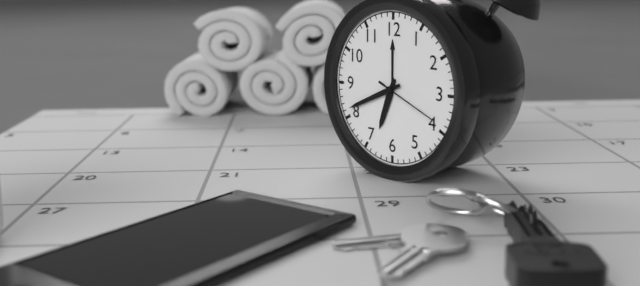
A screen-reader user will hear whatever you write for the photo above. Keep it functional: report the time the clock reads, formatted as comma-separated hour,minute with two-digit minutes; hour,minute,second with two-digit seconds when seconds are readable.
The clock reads 6,41,19
